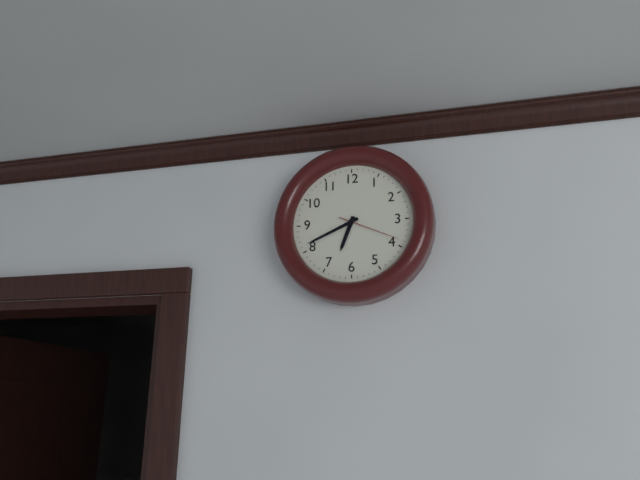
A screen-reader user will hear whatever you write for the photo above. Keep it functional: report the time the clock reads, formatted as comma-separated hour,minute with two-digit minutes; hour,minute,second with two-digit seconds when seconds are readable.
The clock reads 6,41,19
